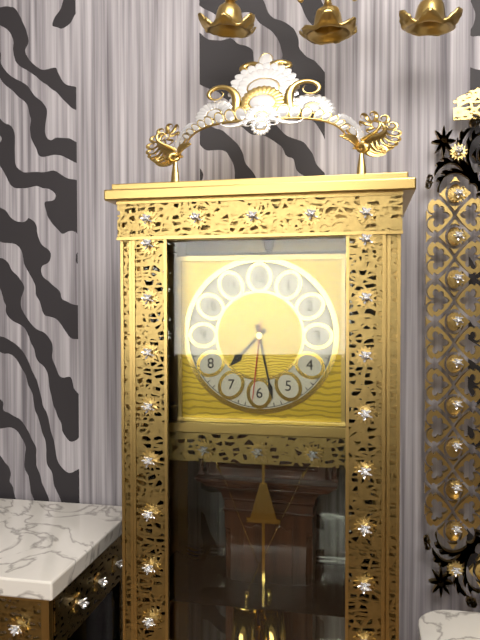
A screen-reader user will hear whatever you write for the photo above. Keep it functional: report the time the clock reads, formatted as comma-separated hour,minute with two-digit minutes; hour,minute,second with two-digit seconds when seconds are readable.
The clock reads 7,28,31
